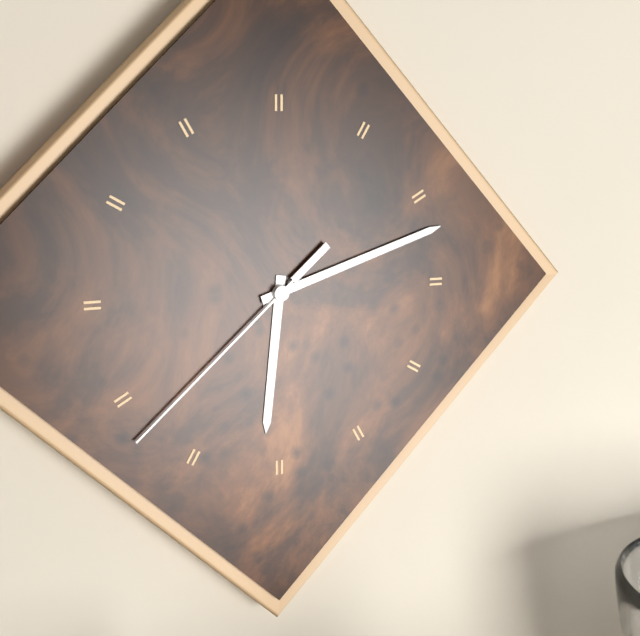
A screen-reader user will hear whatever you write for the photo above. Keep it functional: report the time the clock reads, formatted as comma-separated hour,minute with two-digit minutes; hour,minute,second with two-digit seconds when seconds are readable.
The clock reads 6,12,38
